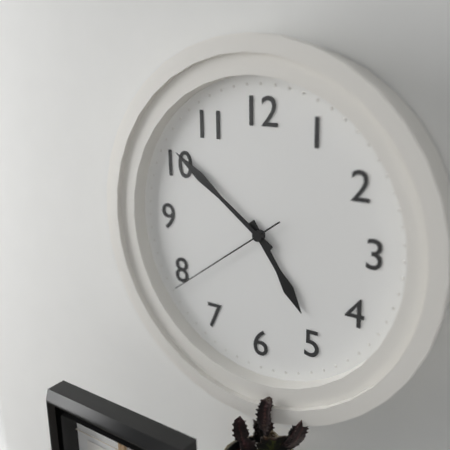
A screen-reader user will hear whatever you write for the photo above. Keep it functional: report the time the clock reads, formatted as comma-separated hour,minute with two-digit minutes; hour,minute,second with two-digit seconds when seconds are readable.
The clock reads 4,51,39
